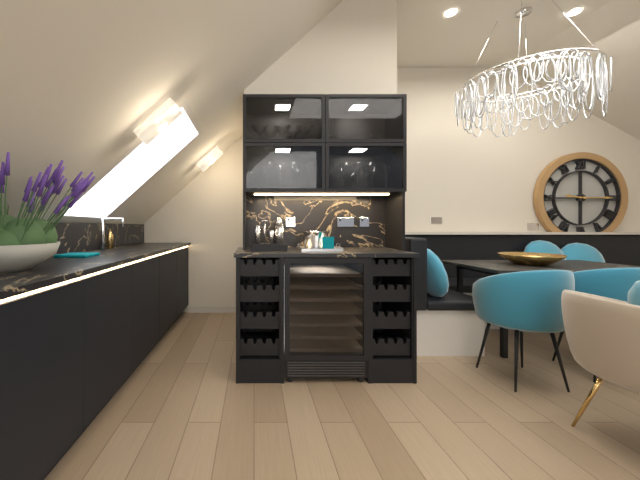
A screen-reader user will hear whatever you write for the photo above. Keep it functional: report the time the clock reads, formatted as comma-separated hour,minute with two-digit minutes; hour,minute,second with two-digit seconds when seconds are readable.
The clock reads 9,15
